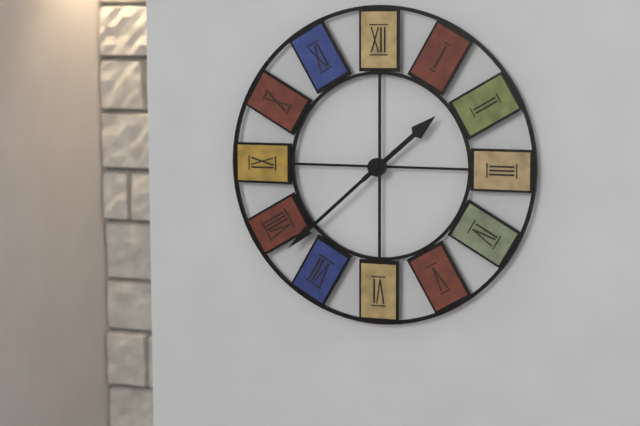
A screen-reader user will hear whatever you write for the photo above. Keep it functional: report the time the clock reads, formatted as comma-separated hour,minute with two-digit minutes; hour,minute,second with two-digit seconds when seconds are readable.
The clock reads 1,38
